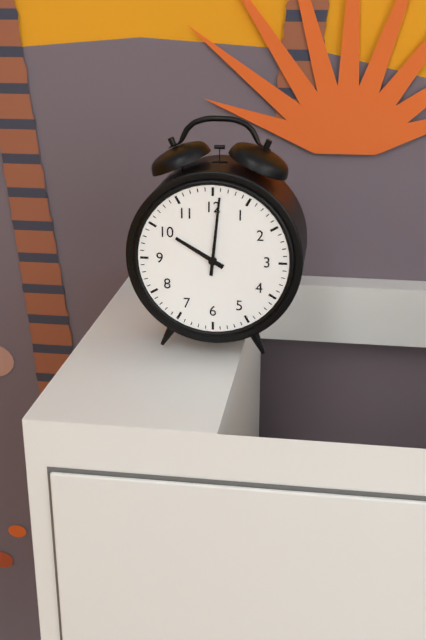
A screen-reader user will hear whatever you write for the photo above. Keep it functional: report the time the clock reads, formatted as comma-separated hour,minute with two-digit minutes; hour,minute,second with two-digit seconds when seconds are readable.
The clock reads 10,01
